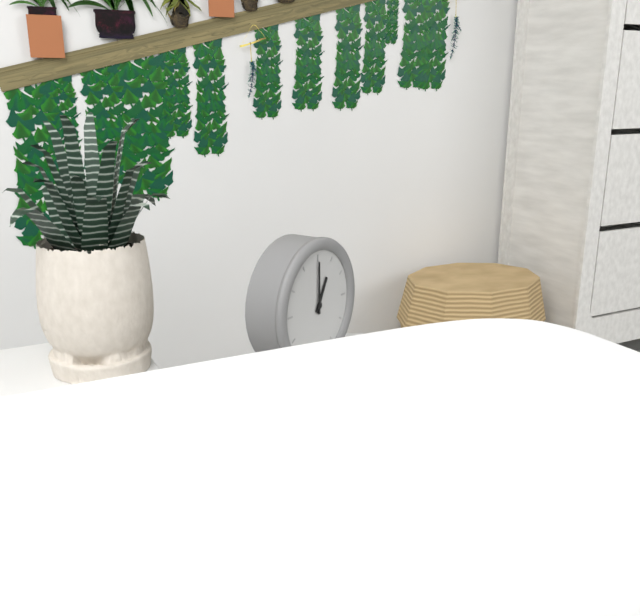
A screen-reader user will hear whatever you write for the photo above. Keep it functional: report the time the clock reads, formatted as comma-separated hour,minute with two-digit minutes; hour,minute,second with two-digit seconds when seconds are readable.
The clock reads 1,00
